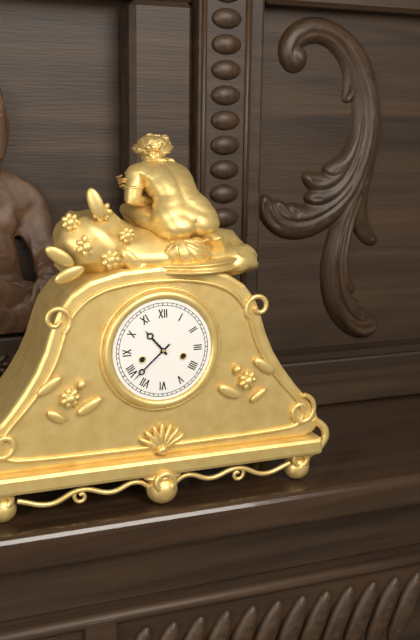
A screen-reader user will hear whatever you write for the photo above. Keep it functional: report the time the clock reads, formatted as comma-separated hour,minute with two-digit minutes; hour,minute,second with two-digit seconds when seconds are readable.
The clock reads 10,38
